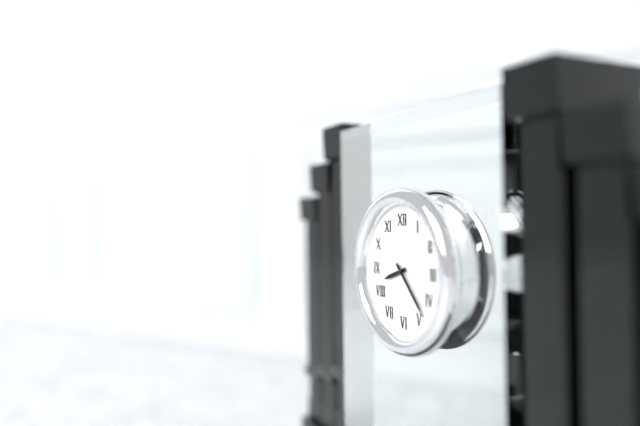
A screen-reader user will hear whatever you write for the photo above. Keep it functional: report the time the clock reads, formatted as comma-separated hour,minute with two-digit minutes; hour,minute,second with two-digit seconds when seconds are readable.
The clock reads 8,23
